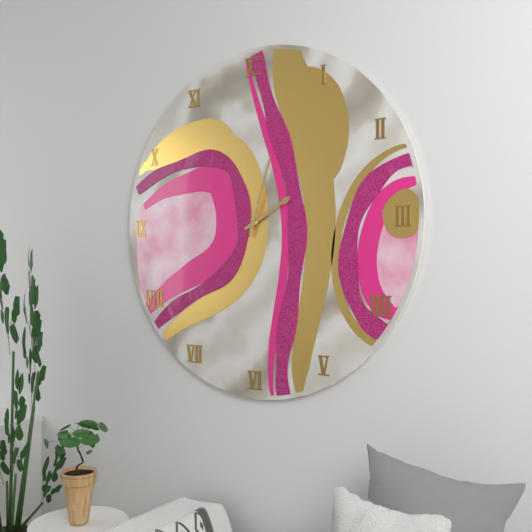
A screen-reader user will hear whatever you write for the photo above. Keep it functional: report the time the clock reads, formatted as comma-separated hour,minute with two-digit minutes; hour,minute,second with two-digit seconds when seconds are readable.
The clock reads 2,03
